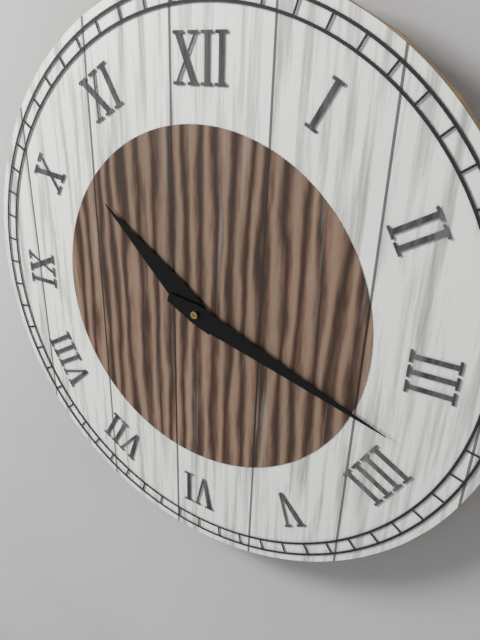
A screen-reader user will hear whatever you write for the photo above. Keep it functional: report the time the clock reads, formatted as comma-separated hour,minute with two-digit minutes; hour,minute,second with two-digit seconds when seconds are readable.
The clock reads 10,18
